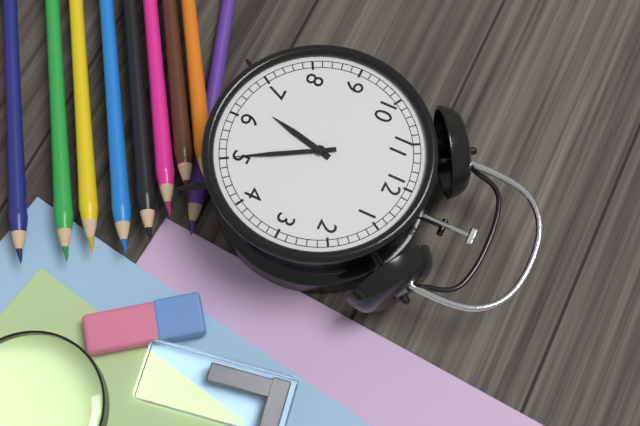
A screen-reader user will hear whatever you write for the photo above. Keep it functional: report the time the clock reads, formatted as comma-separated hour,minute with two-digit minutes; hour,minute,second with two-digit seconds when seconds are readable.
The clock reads 6,25
